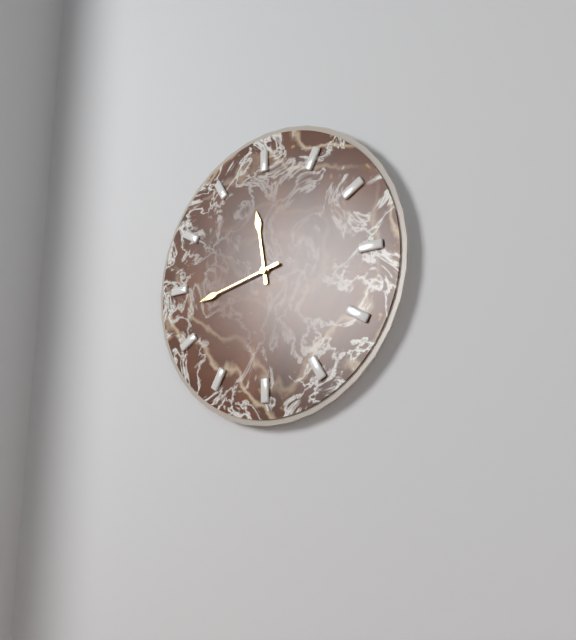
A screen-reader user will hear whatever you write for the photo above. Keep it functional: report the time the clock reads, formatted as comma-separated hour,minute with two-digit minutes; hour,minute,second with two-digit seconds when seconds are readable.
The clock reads 11,43
